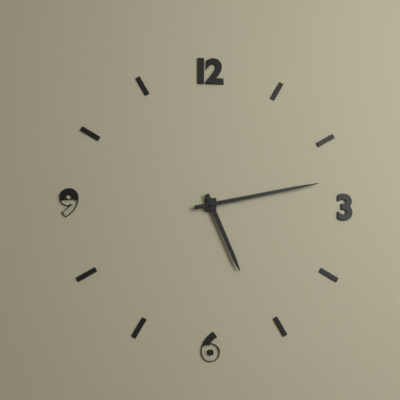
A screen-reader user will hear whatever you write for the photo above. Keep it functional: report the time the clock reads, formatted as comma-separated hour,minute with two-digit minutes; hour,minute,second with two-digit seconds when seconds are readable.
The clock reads 5,13
